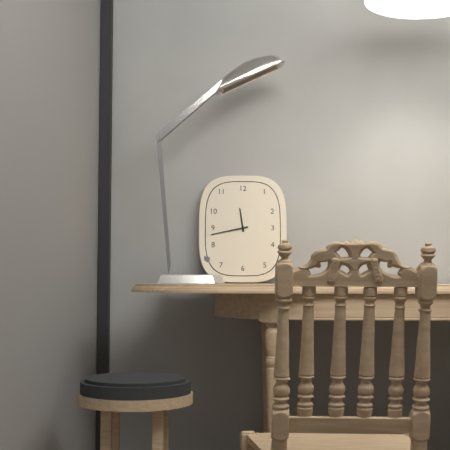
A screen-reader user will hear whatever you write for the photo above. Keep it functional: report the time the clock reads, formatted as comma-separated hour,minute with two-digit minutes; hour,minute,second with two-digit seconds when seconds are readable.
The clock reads 11,43
